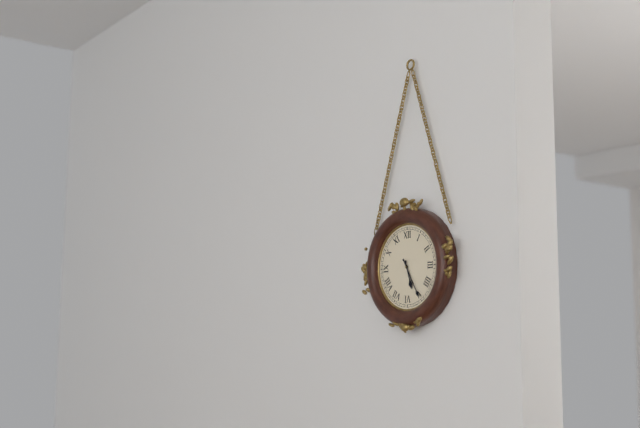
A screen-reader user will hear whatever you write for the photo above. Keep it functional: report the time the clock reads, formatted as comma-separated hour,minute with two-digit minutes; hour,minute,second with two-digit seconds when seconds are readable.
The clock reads 5,25
